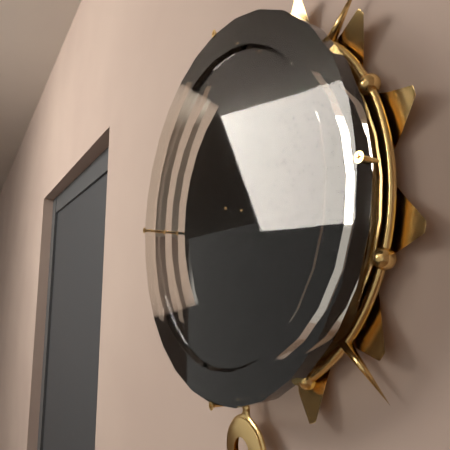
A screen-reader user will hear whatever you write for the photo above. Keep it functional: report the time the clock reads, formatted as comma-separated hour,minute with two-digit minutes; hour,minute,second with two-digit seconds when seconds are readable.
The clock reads 5,47
